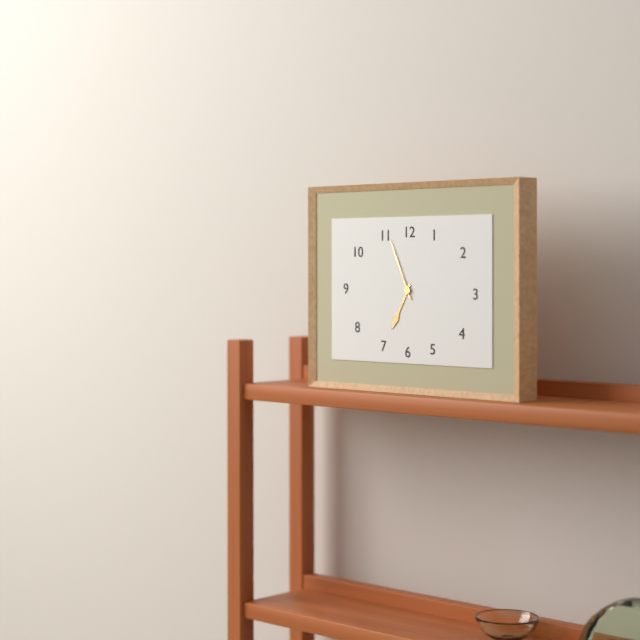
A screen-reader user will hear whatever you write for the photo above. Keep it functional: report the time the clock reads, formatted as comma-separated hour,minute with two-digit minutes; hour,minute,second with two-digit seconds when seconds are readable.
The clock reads 6,56
